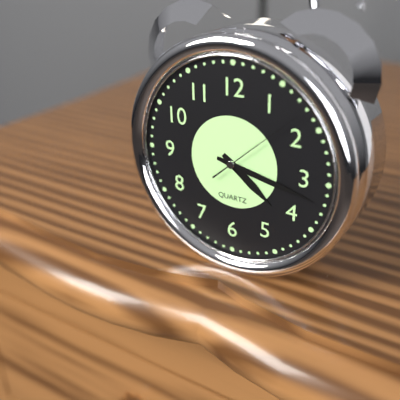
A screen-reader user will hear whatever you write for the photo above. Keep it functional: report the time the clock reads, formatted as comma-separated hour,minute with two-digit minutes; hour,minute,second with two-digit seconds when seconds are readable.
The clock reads 4,17,08
